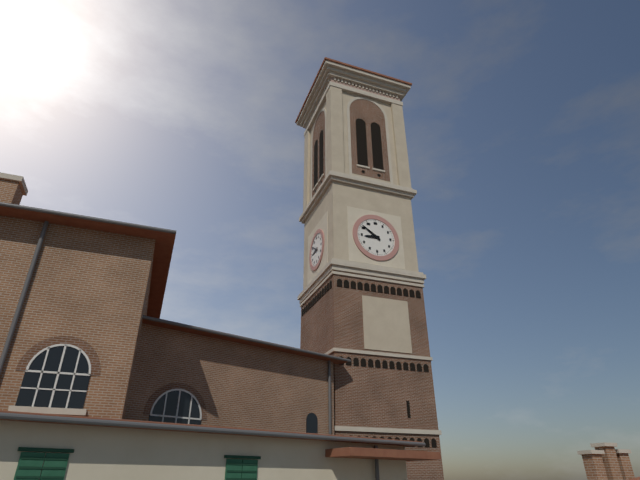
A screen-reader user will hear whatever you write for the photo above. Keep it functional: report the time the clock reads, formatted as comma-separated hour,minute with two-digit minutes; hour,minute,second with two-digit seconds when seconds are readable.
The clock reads 8,51
